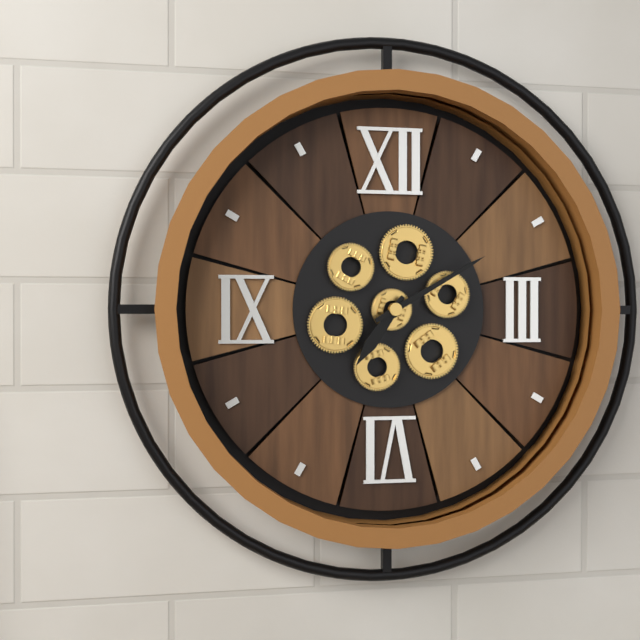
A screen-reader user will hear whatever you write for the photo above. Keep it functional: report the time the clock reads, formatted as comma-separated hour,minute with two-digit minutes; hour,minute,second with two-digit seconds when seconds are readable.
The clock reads 7,10
